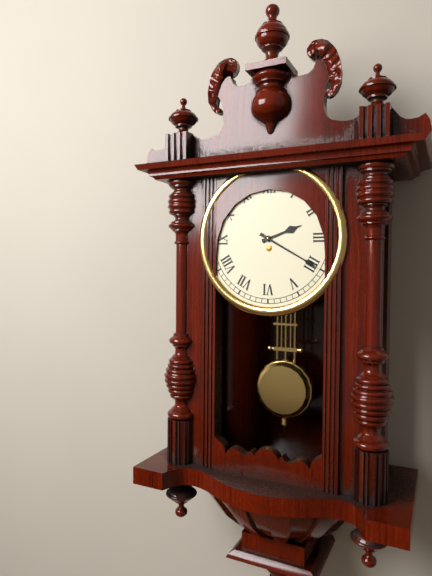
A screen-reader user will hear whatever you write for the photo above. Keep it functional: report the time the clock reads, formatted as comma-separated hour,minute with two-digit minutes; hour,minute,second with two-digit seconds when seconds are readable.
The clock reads 2,20
